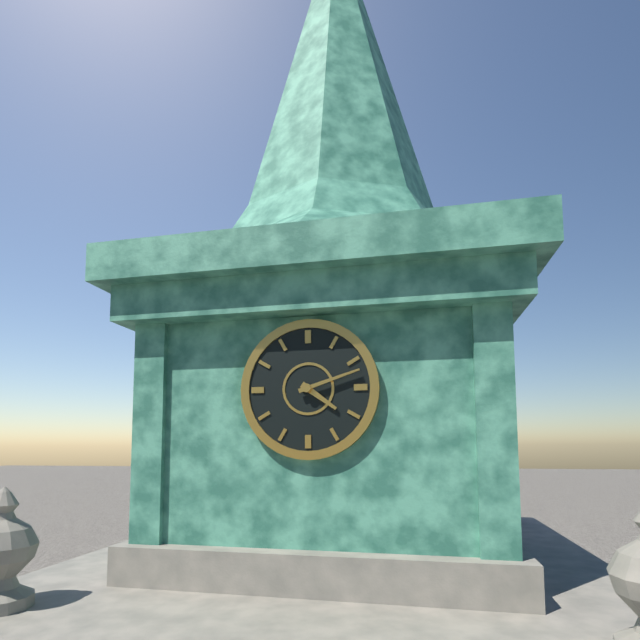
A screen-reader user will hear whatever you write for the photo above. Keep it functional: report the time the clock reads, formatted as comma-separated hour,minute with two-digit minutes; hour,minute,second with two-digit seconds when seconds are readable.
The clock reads 4,12
